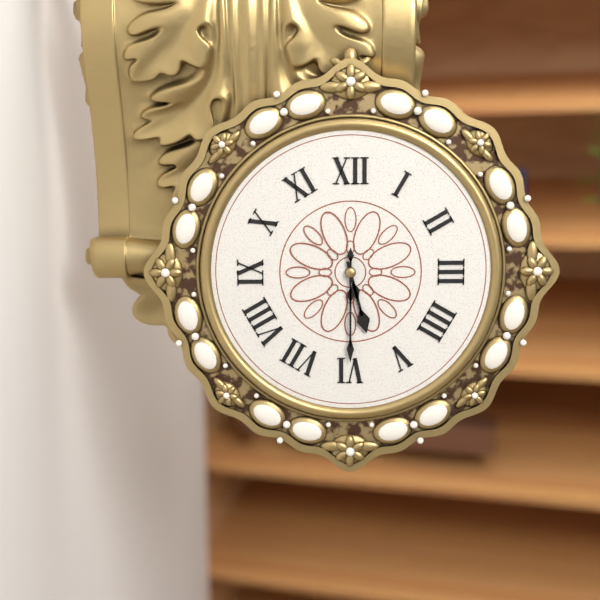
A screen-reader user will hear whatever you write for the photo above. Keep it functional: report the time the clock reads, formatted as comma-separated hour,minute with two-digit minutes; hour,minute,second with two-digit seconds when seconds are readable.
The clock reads 5,30
